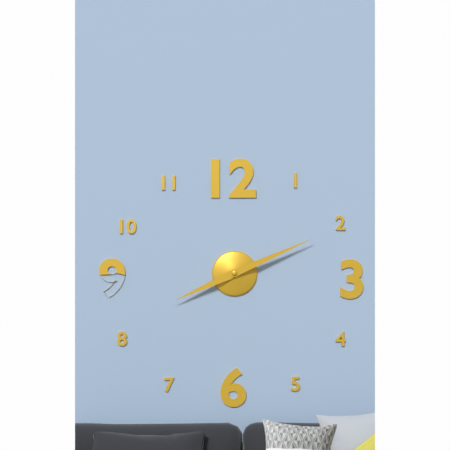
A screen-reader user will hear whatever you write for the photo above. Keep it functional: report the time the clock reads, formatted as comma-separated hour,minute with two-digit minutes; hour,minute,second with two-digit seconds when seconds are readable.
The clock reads 8,11
